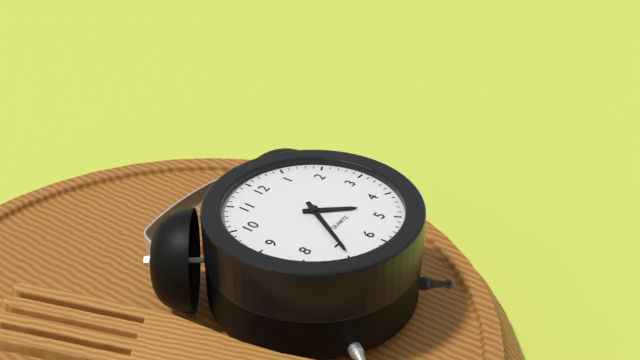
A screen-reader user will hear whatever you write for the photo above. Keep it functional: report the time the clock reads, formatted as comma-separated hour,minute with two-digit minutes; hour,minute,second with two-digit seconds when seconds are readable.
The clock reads 4,35
